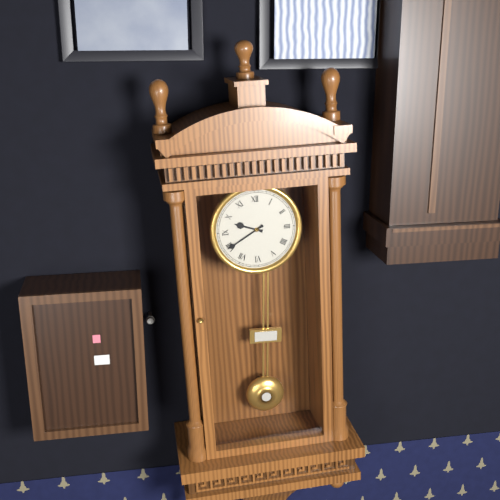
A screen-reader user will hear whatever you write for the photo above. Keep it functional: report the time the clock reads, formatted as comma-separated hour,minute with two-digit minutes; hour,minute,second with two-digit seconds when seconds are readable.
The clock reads 9,40
